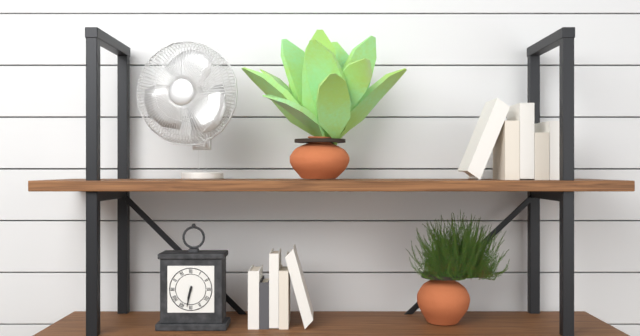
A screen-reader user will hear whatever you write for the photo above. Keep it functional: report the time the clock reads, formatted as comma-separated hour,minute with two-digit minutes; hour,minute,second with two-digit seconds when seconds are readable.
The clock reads 6,32
